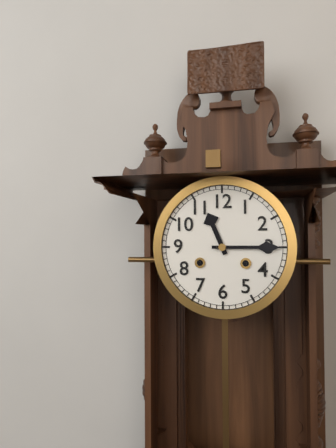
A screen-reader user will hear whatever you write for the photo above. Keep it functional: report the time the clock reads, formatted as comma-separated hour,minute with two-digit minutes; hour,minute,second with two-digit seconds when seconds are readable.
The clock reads 11,15
